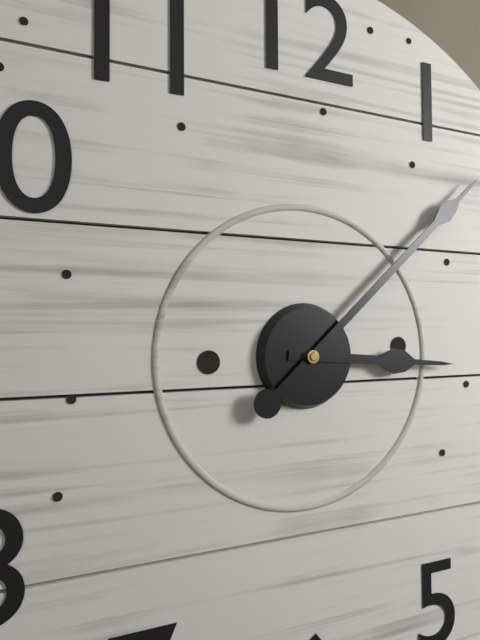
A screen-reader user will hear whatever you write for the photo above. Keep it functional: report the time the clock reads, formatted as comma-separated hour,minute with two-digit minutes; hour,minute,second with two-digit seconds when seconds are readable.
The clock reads 3,08
